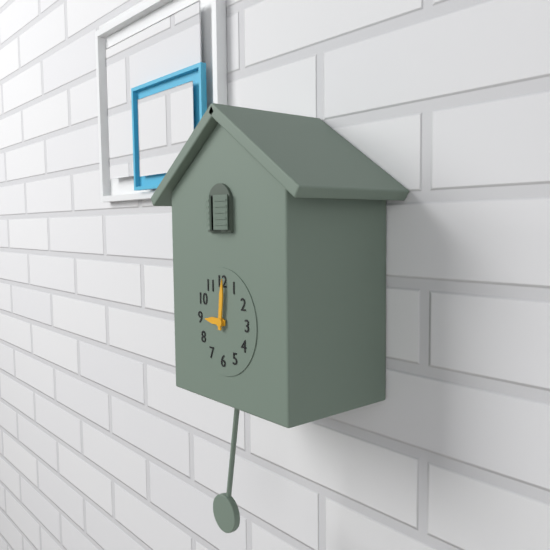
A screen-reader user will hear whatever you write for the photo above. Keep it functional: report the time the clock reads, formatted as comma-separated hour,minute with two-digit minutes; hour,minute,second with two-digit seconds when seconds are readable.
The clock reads 9,01
